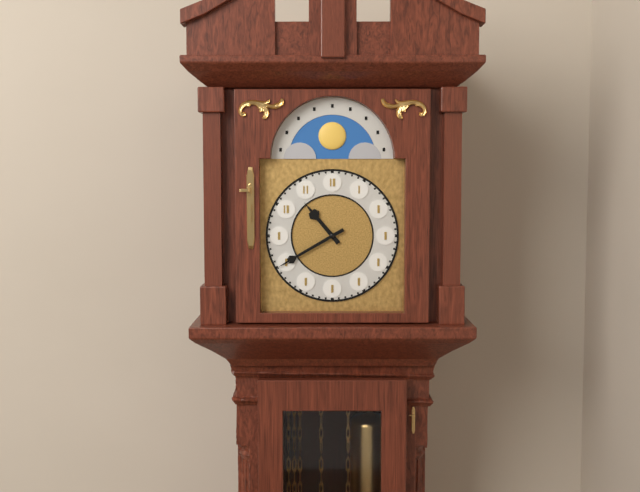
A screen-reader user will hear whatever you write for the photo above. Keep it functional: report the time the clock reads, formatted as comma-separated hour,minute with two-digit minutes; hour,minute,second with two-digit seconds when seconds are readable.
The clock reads 10,40
